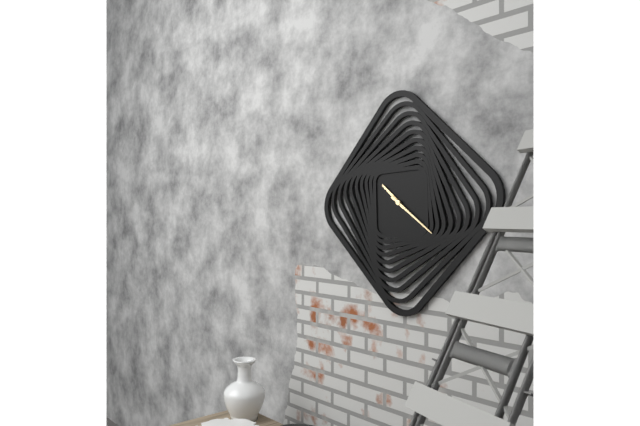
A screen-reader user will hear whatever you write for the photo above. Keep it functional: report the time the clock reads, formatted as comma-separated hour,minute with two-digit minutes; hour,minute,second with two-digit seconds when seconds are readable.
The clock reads 10,21
